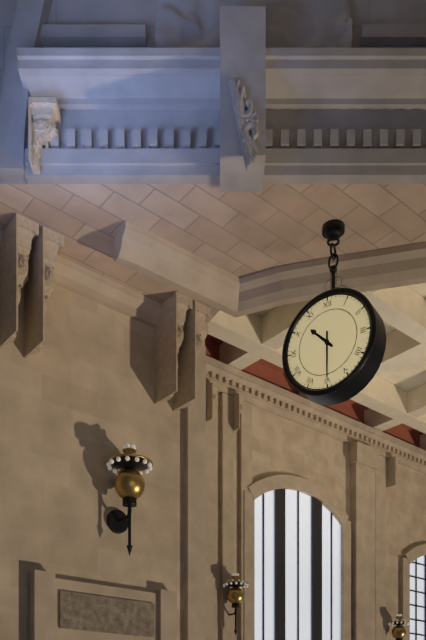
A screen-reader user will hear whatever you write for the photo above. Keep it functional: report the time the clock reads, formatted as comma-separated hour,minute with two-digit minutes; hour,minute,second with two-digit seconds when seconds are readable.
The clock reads 10,30
